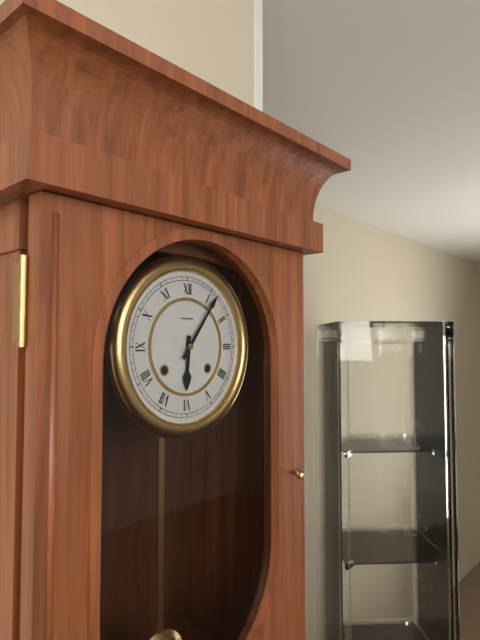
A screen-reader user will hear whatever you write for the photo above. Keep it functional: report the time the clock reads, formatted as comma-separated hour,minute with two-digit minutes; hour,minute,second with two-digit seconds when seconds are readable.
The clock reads 6,06
